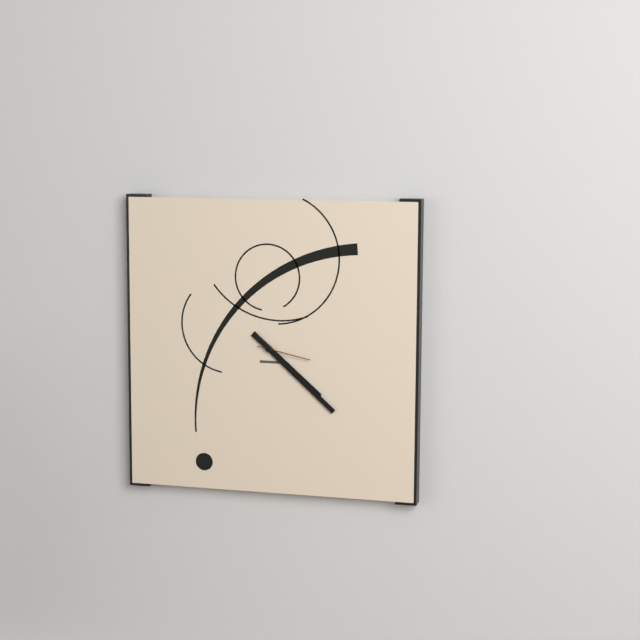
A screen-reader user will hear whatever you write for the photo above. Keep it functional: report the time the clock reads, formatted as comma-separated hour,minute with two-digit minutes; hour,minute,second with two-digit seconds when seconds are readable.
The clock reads 4,22,17
